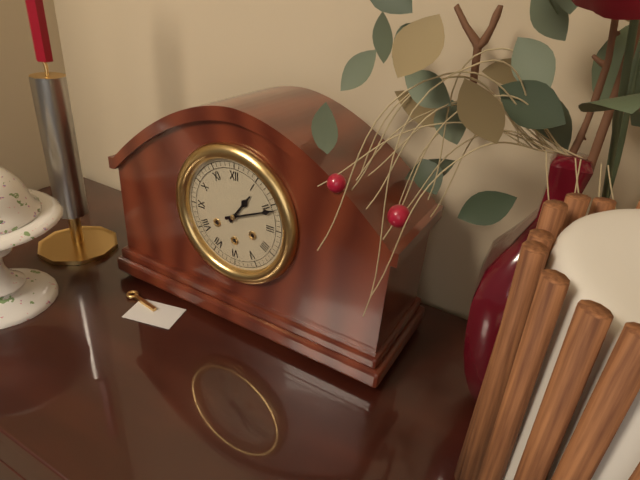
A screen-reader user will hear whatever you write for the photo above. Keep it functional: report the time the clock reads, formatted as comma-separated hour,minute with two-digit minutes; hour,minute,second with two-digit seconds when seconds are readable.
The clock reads 1,11
